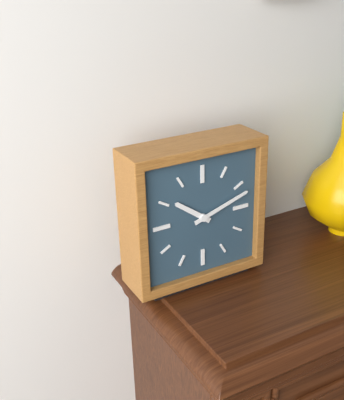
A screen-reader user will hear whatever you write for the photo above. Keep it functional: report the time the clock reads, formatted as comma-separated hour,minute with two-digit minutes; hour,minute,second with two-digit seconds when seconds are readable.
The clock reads 10,12
